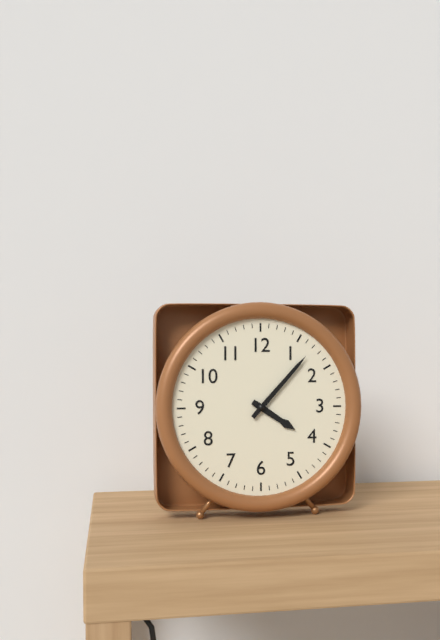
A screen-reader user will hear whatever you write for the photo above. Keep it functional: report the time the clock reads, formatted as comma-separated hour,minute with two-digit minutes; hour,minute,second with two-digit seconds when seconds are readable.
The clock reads 4,07
